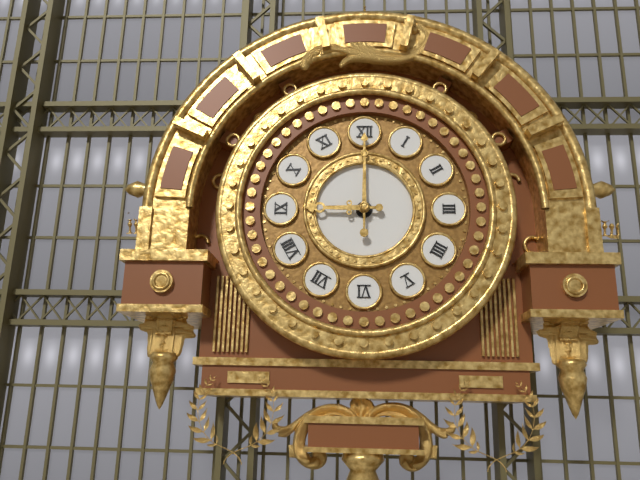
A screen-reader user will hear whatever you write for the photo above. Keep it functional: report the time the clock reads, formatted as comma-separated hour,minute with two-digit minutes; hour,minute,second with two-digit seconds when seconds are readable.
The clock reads 9,00
